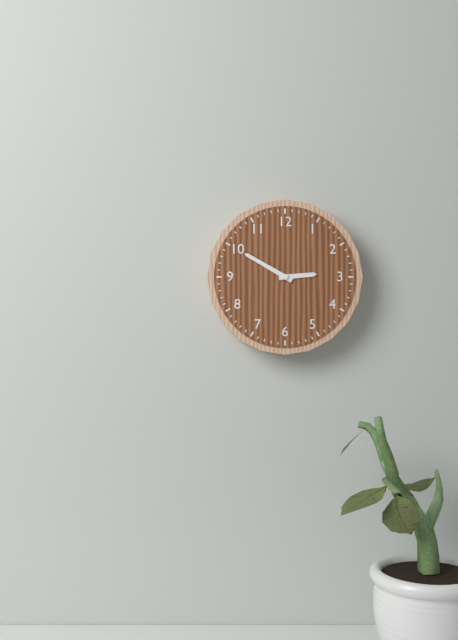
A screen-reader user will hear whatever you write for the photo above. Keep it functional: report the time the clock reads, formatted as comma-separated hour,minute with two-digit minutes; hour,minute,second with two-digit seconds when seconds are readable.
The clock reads 2,50
